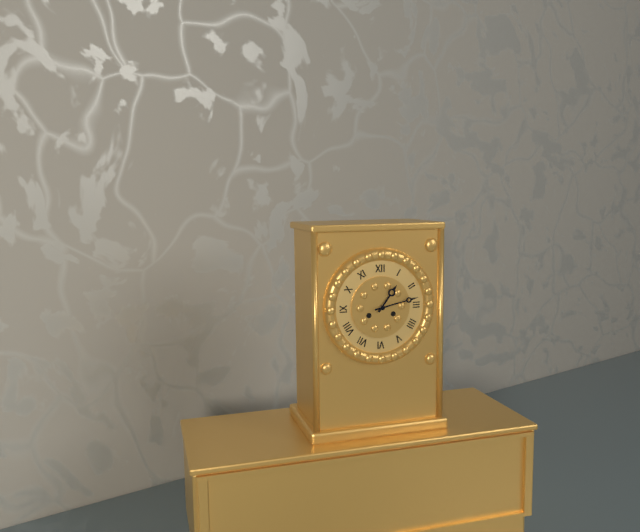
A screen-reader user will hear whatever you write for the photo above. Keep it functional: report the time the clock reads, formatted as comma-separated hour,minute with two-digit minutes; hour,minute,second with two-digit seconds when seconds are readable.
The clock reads 1,13
